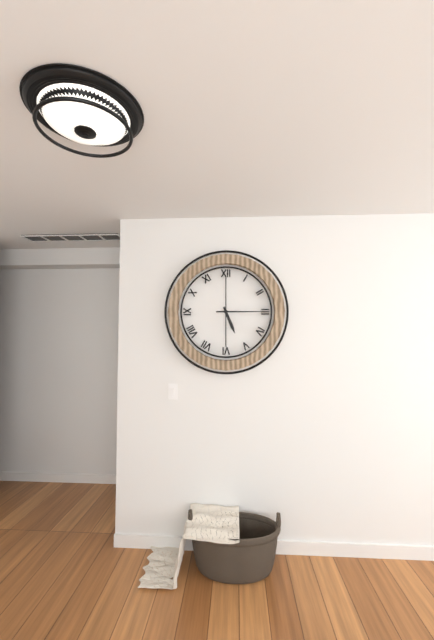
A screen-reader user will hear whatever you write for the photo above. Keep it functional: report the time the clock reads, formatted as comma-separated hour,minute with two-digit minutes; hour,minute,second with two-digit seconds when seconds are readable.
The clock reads 5,15
